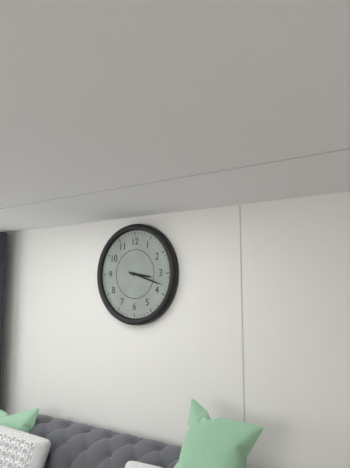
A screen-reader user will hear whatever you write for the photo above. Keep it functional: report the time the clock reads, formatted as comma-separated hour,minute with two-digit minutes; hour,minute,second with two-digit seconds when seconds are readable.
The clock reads 3,18
